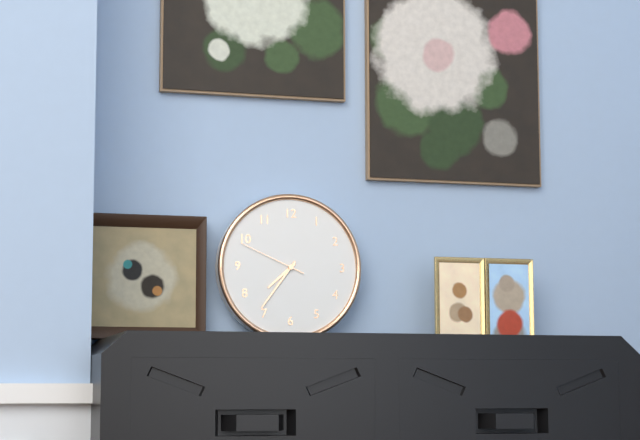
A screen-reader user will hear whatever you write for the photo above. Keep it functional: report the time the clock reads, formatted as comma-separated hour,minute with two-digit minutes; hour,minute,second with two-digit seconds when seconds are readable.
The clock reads 7,36,49
